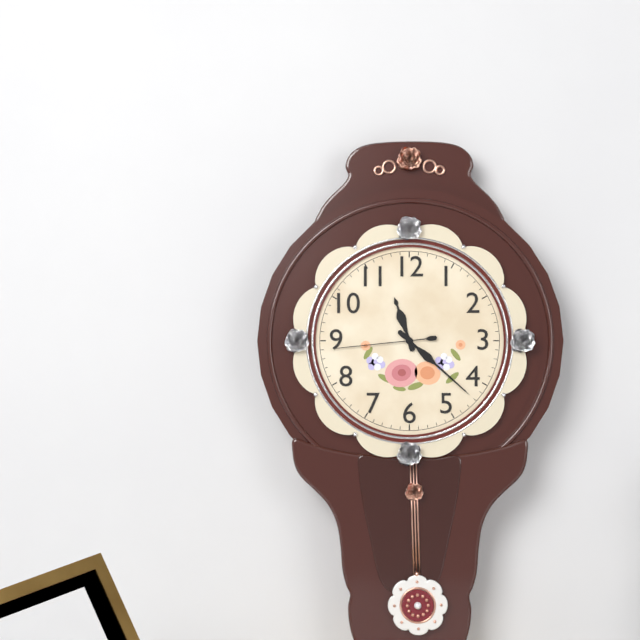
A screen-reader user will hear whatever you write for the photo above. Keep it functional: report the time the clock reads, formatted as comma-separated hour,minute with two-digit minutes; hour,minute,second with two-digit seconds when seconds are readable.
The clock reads 11,22,44
